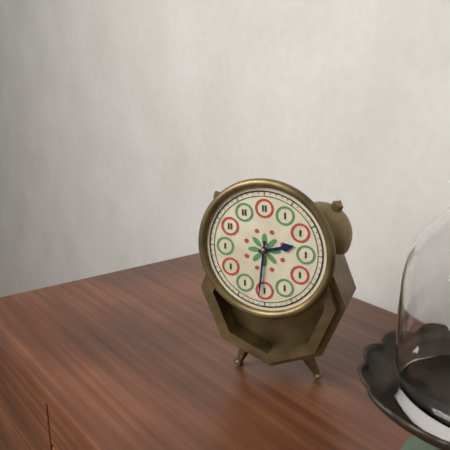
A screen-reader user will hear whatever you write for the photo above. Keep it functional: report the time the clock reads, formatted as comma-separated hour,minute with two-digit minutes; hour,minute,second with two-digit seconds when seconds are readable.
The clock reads 2,31
